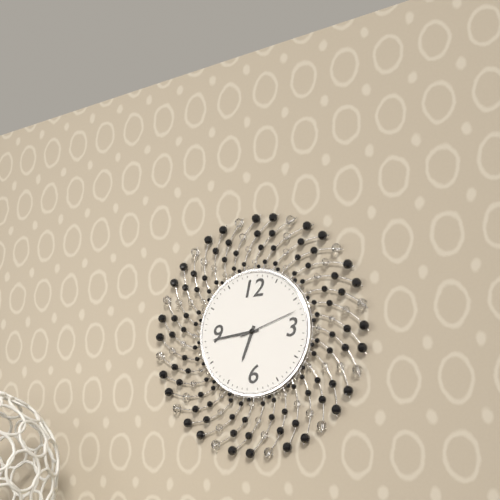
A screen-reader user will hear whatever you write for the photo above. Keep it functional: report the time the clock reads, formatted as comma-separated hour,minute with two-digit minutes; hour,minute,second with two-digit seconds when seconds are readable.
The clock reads 6,44,12
